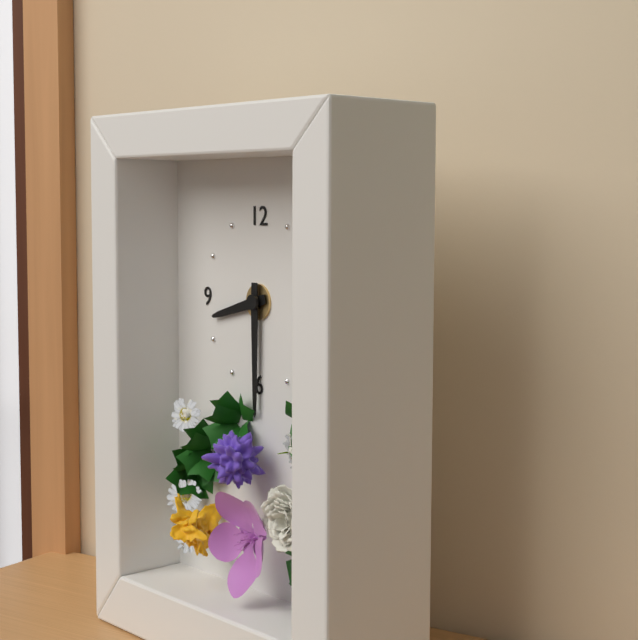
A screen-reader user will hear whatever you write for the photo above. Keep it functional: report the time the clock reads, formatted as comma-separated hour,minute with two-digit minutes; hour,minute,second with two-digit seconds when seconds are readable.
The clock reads 8,30
